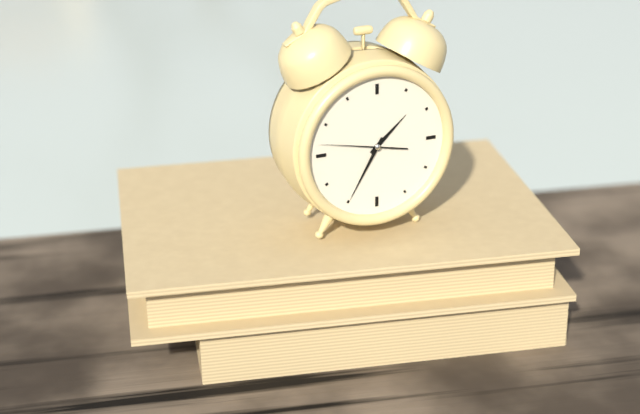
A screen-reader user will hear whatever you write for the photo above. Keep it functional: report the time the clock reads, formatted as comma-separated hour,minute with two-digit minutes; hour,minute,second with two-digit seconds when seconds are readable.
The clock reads 1,35,47
